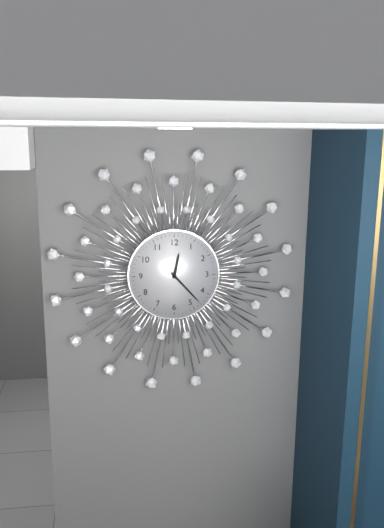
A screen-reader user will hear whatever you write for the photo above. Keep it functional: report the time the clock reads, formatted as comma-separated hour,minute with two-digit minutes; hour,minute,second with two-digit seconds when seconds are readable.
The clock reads 12,23
